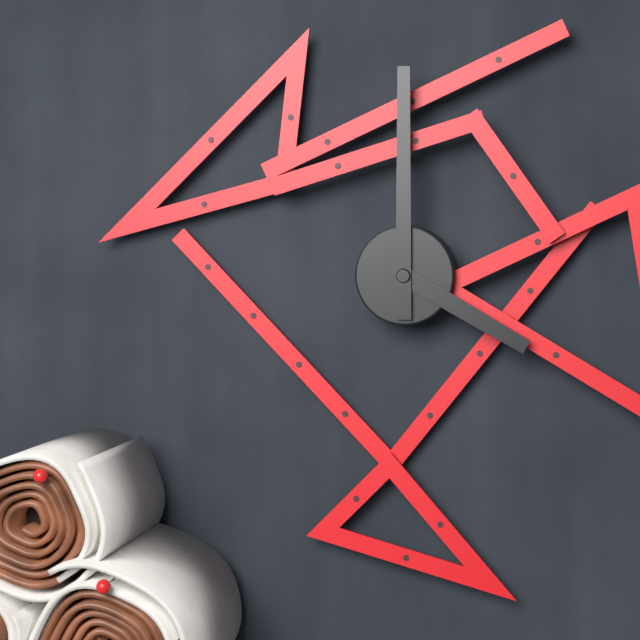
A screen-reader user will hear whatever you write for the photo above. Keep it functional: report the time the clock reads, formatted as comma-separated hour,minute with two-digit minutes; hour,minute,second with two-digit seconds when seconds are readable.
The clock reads 4,00
